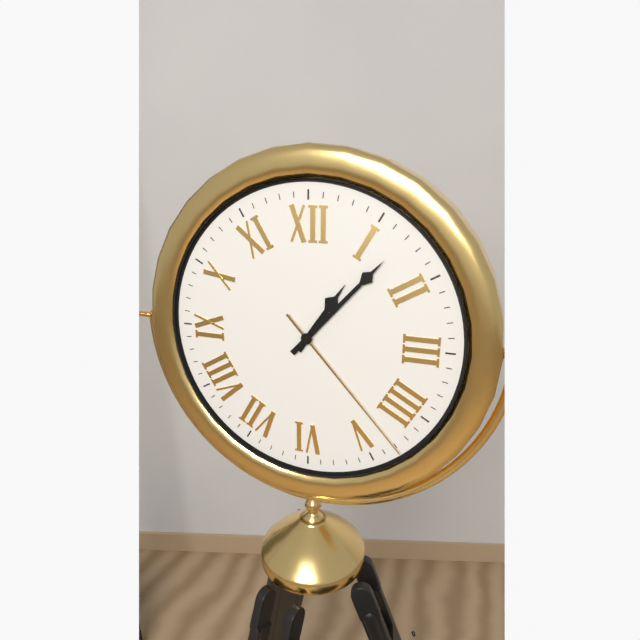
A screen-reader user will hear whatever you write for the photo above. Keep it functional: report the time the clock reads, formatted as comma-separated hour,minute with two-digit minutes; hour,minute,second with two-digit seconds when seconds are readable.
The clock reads 1,07,23
